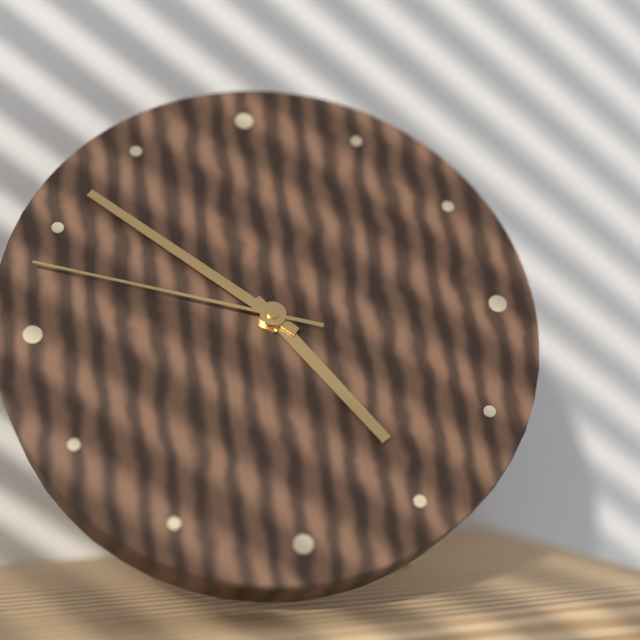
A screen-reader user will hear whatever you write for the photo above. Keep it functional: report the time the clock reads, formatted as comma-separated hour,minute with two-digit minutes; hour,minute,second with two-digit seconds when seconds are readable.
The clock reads 4,52,48
